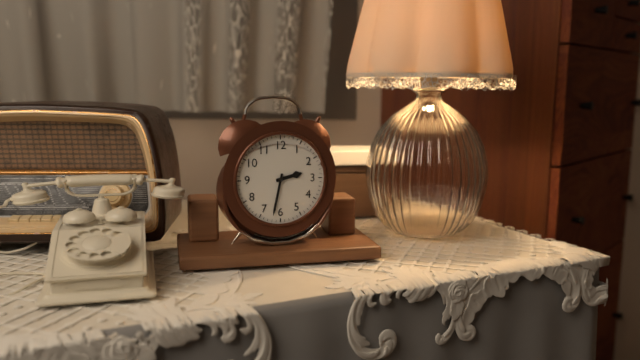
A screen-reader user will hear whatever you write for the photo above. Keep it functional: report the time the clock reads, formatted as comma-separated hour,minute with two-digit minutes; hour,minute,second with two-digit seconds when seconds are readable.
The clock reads 2,32
